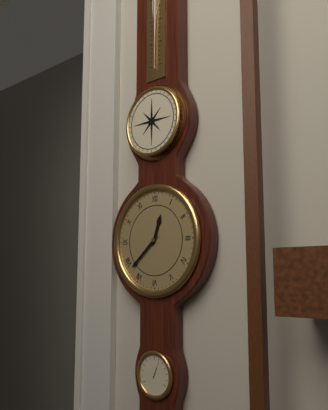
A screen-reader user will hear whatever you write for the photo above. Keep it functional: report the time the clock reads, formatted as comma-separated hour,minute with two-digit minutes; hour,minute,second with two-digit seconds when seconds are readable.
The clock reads 12,38
